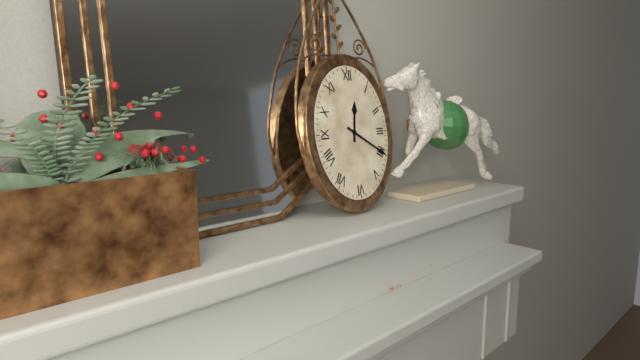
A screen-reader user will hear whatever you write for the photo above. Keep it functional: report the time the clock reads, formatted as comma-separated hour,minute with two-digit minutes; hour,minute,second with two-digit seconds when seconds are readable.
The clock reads 12,20
